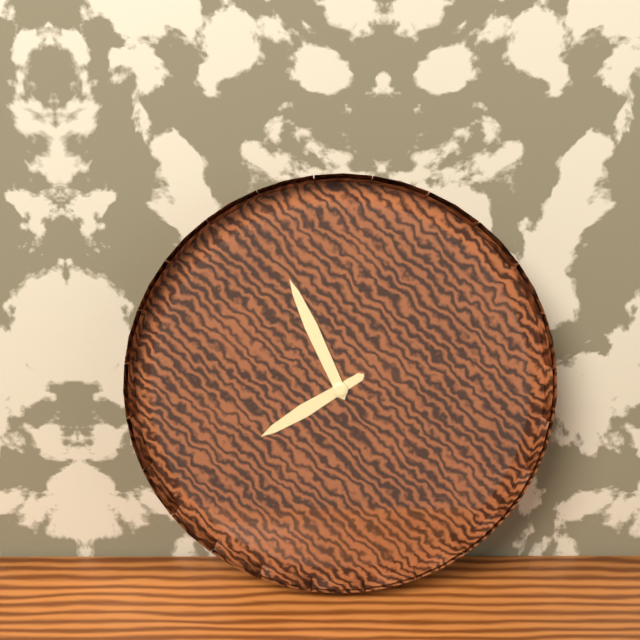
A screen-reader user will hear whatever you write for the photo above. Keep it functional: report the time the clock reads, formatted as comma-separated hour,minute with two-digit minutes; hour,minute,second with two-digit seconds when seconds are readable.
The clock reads 7,56
